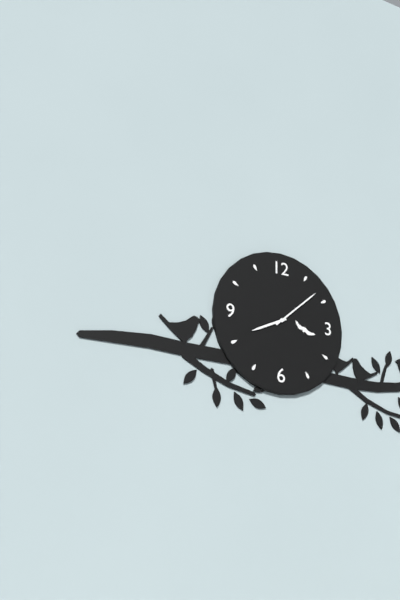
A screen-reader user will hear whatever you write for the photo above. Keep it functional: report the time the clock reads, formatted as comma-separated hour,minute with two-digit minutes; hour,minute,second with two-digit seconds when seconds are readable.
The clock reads 8,08
